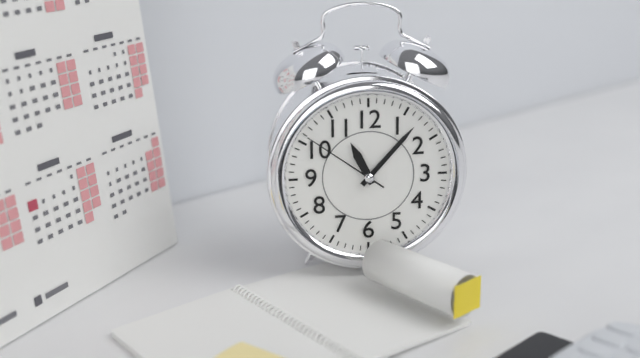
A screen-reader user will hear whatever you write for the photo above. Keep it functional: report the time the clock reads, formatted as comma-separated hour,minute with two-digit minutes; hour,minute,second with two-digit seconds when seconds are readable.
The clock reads 11,07,51
